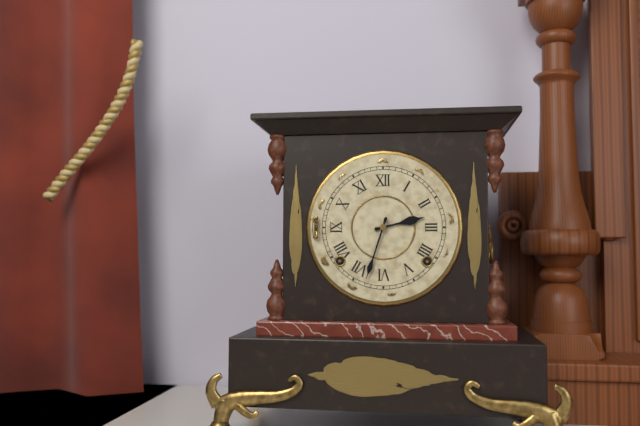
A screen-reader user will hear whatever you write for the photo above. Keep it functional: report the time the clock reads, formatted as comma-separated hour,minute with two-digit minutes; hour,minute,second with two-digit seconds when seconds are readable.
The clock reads 2,33
